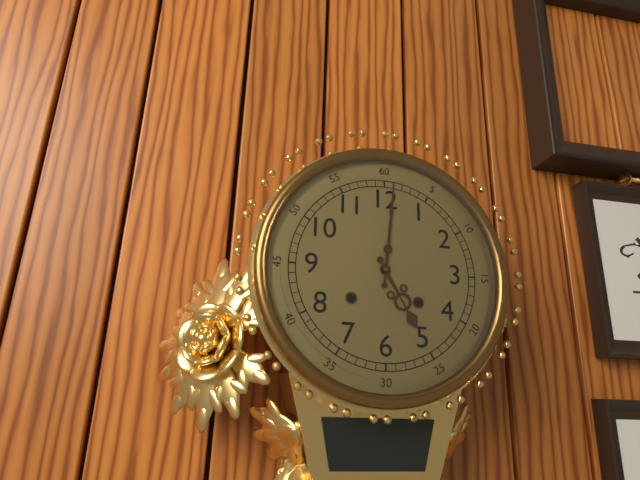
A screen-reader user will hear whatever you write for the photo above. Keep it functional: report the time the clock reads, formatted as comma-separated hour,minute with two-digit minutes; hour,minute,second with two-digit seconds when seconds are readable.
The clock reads 5,01
